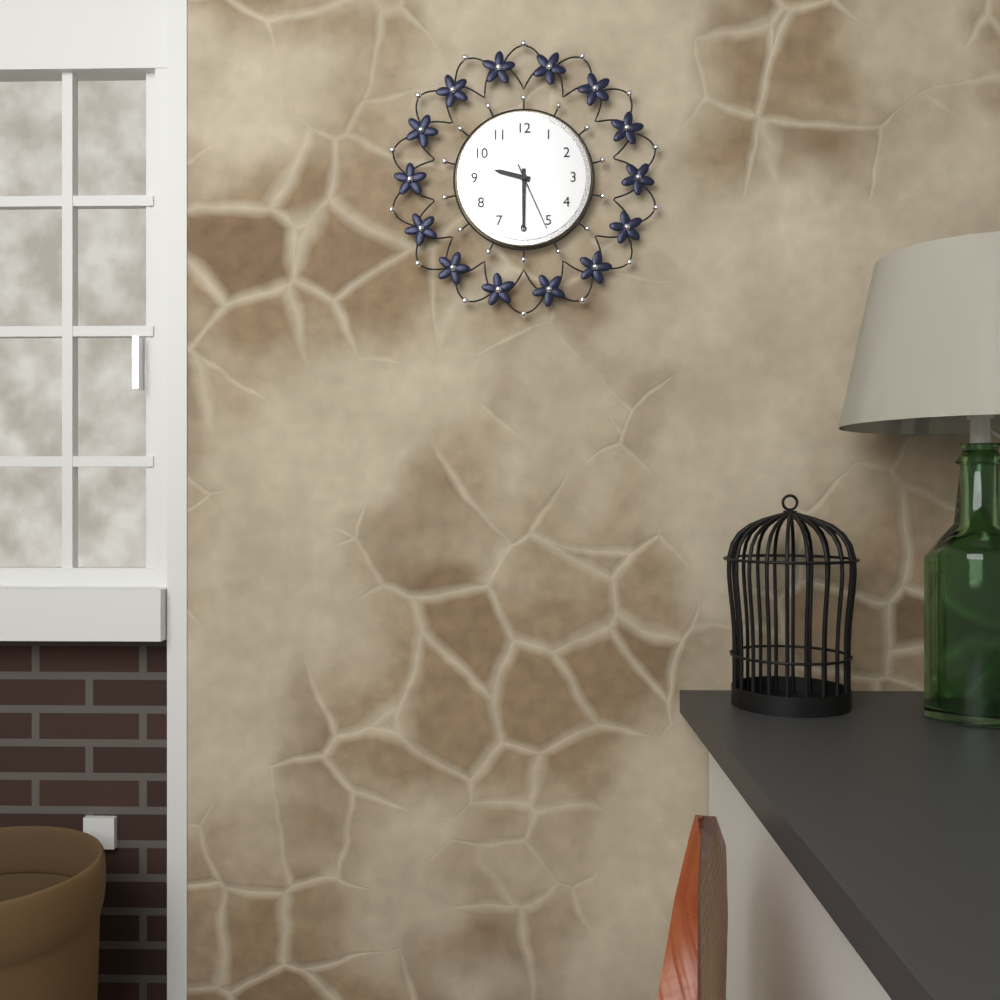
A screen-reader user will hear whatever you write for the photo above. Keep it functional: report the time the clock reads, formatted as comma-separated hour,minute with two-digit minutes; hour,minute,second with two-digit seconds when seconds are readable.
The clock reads 9,30,26
